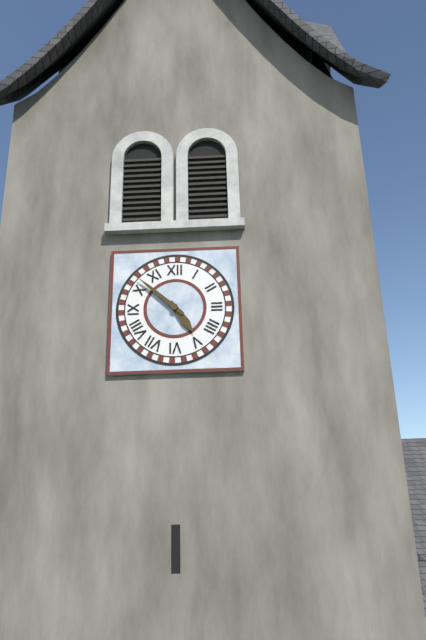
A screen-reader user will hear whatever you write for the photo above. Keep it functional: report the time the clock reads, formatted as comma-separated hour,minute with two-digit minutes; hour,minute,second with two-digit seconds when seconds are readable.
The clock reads 4,52
